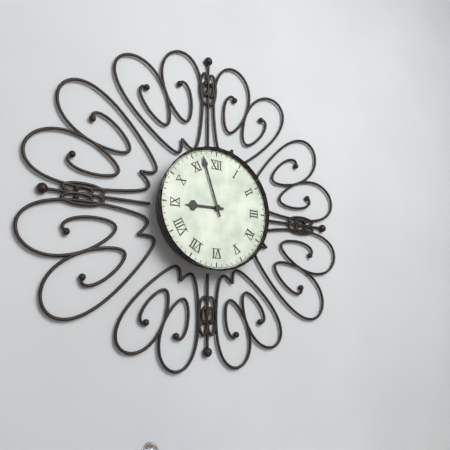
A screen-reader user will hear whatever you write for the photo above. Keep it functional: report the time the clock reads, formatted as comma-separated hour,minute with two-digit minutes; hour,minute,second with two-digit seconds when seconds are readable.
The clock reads 8,57
